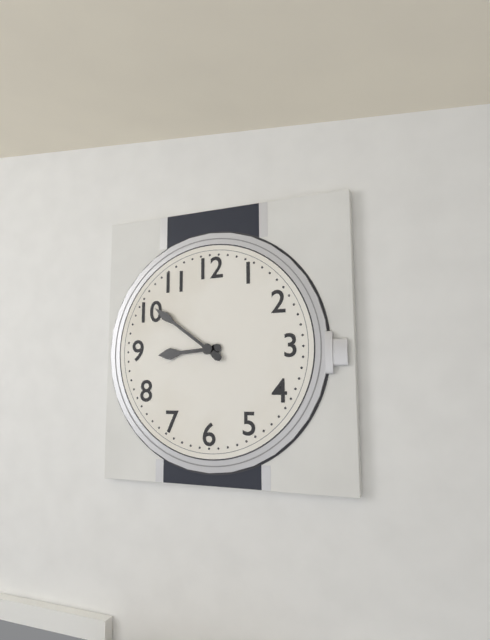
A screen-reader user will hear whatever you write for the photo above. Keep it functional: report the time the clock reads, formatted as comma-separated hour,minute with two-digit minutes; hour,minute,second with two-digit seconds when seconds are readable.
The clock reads 8,51
